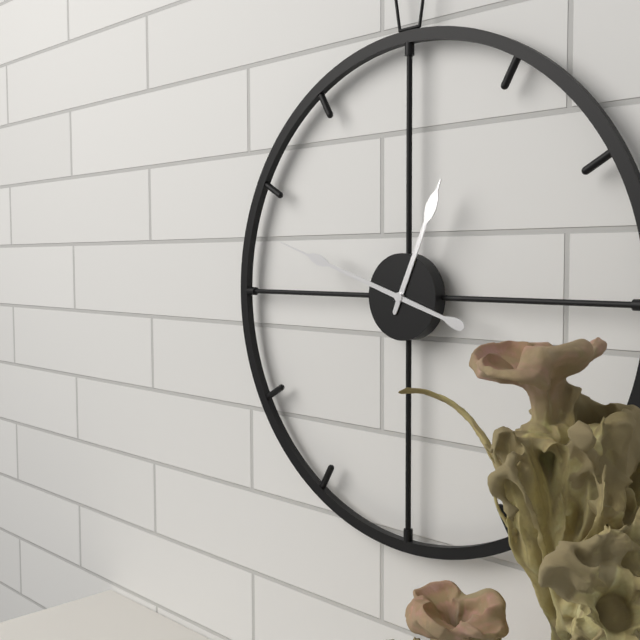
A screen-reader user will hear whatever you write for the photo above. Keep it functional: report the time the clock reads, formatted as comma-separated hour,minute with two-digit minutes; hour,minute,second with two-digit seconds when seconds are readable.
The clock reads 12,48
